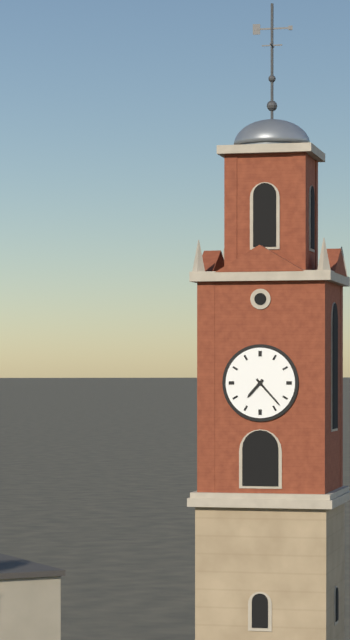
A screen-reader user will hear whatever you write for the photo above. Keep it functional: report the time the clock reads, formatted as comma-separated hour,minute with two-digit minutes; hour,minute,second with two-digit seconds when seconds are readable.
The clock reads 7,23
